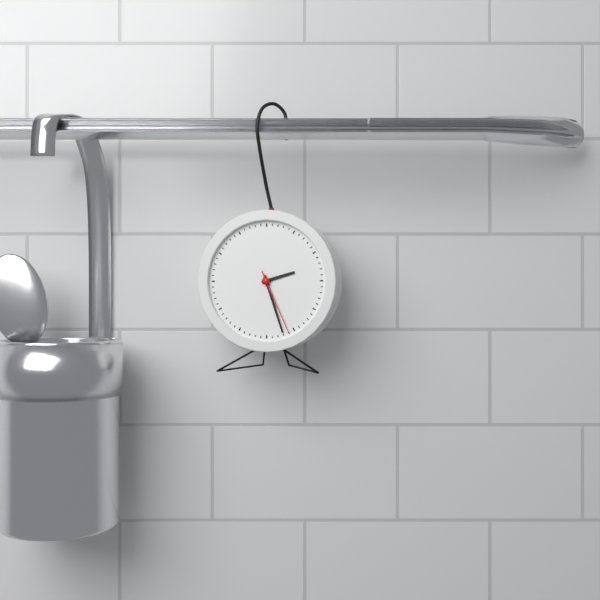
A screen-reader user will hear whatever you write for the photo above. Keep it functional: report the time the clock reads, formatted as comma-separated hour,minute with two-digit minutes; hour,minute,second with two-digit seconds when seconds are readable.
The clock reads 2,27,26
